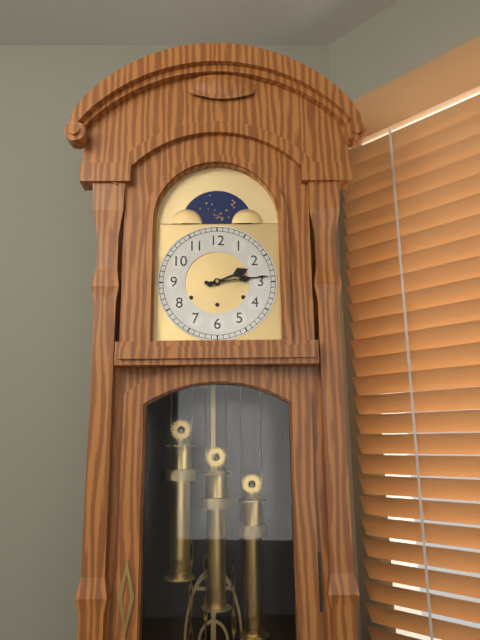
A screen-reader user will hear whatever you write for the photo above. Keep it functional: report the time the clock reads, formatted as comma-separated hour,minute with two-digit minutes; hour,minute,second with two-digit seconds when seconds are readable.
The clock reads 2,14
